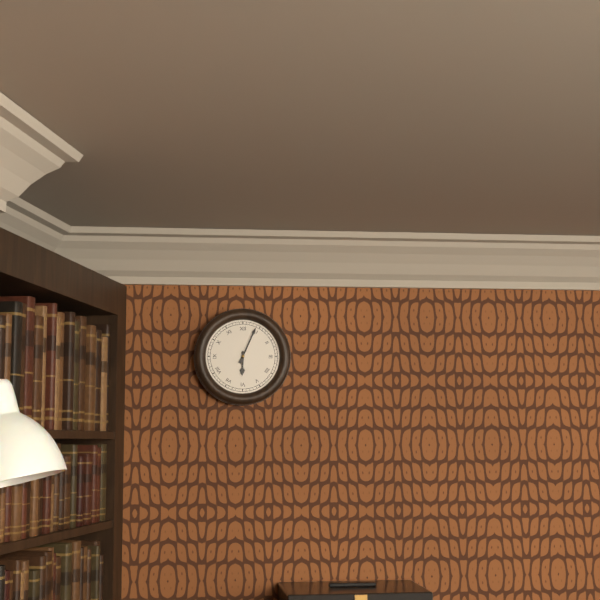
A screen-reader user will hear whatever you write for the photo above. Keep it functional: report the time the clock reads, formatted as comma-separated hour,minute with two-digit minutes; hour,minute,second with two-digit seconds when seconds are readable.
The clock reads 6,04
